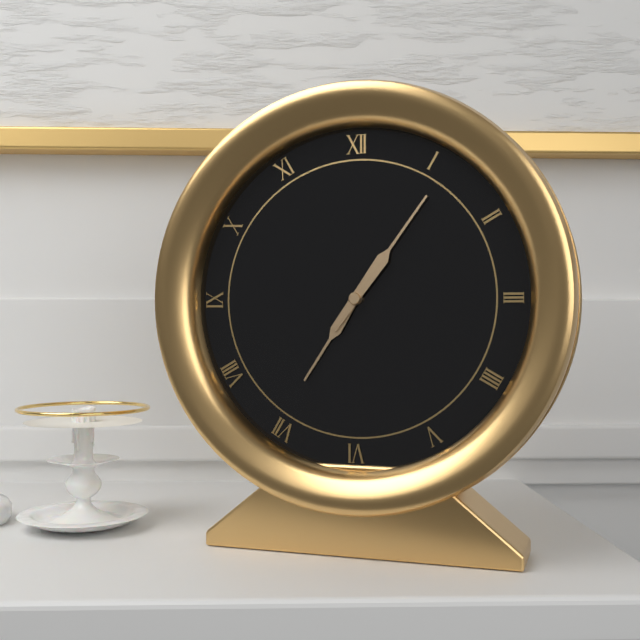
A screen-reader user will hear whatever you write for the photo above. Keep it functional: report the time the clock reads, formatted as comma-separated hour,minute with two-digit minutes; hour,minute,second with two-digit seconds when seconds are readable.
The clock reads 7,06
